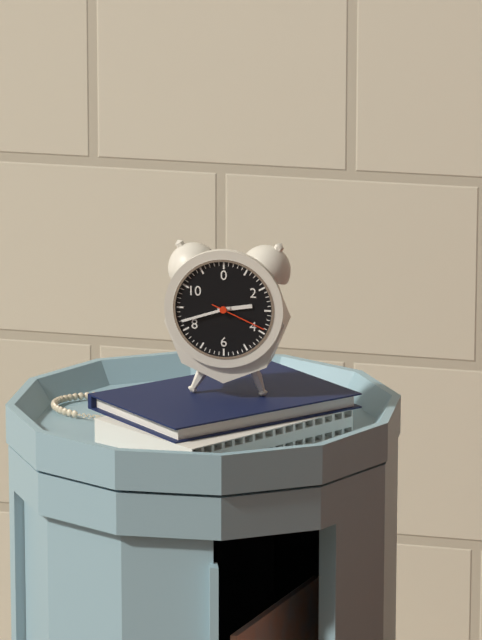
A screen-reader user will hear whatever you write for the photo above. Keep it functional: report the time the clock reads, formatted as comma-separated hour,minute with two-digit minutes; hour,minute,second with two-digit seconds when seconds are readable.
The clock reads 2,42,19
